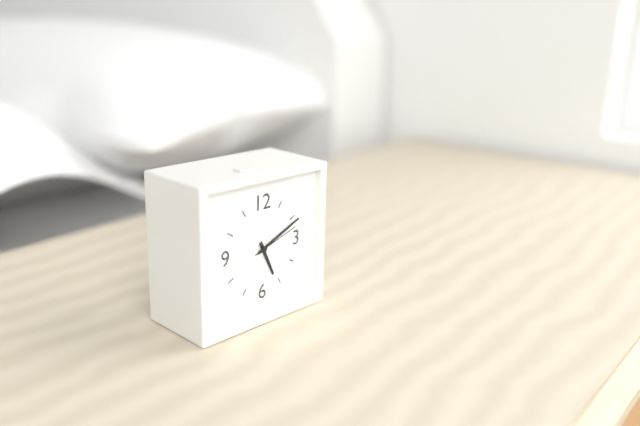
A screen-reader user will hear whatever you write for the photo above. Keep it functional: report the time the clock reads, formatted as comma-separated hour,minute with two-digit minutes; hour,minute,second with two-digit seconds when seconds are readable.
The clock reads 5,11
